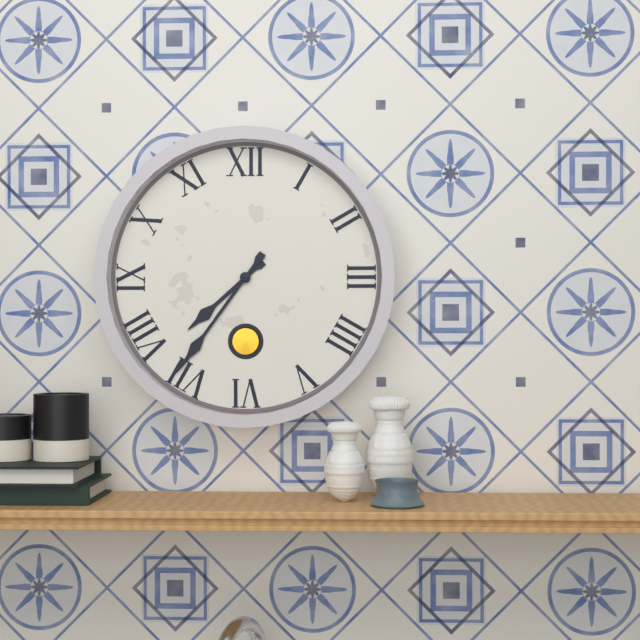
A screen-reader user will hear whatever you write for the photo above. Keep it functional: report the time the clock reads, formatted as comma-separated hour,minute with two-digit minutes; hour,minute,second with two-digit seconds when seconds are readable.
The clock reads 7,36
